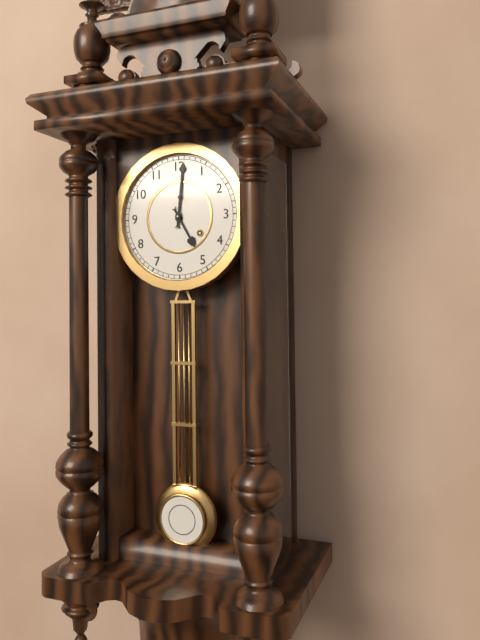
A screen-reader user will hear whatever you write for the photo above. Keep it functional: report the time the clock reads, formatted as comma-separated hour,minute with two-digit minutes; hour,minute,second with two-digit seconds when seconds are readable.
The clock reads 5,01
